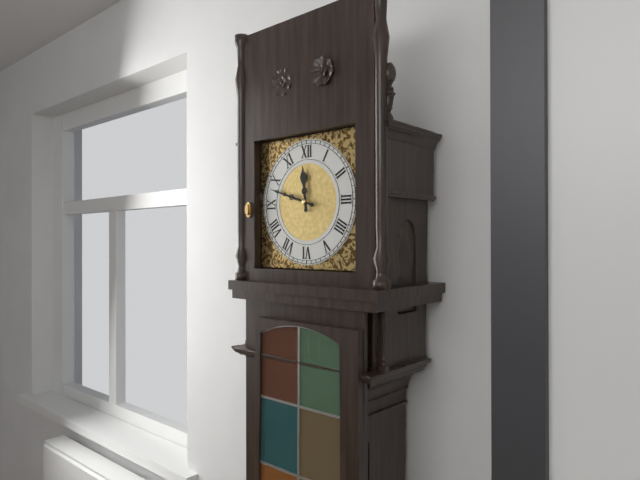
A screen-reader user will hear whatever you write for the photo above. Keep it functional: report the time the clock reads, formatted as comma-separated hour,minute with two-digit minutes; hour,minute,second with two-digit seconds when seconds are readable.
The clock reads 11,48
